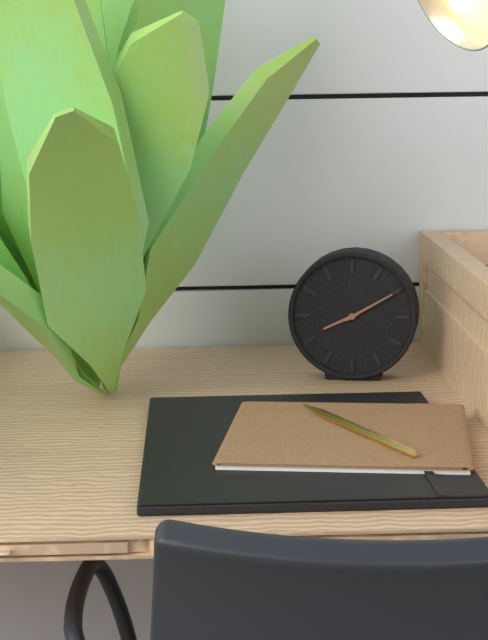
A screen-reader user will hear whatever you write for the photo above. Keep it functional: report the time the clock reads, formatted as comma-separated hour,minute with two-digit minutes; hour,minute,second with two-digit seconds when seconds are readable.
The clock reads 8,10
